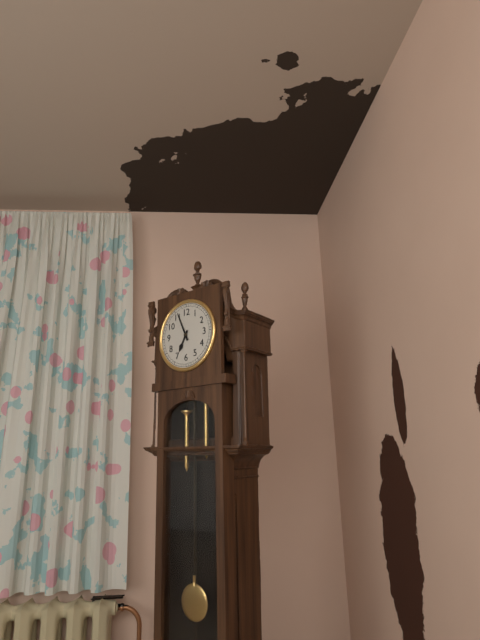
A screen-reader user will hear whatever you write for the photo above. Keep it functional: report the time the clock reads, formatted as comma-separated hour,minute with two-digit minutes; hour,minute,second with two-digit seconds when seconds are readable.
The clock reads 6,56
